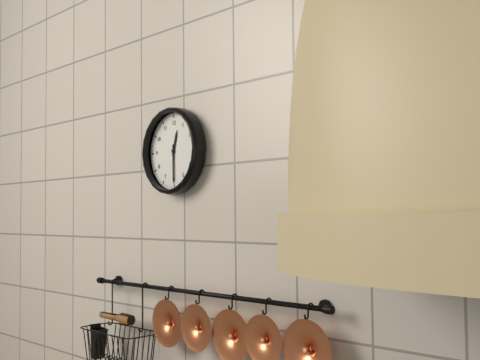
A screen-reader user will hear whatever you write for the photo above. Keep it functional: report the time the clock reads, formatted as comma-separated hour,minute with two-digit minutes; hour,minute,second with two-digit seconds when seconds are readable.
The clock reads 12,30
